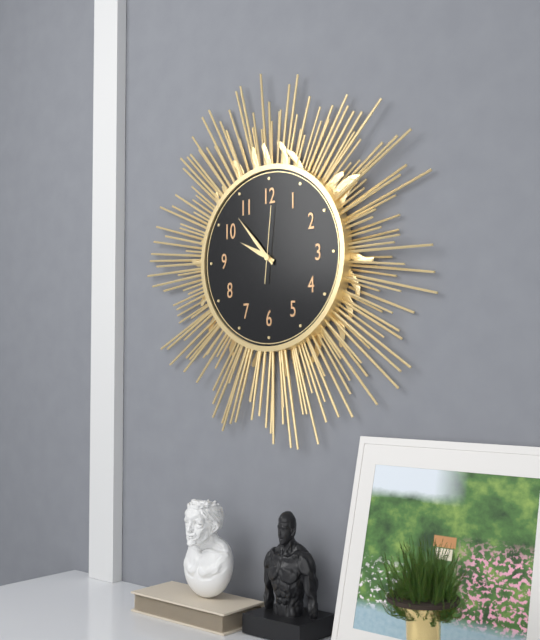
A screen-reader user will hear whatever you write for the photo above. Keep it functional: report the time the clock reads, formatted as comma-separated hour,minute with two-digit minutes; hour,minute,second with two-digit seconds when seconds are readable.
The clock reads 9,53,01
